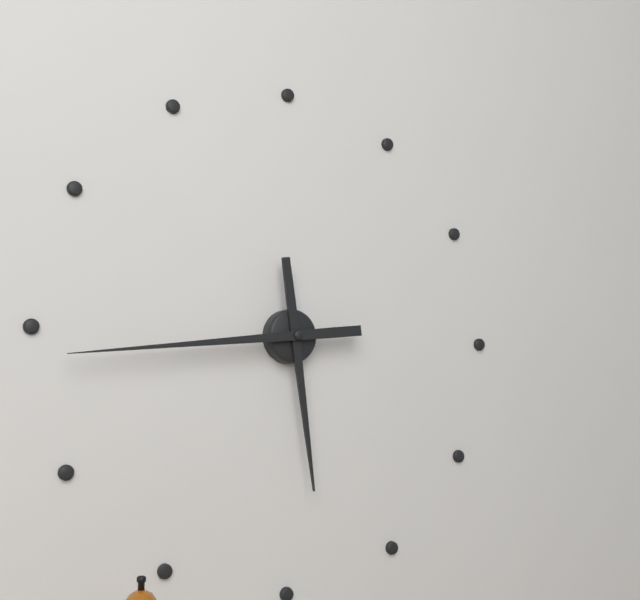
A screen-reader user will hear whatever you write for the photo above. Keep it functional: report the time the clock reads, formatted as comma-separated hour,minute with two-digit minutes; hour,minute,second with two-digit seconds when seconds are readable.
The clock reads 5,44
